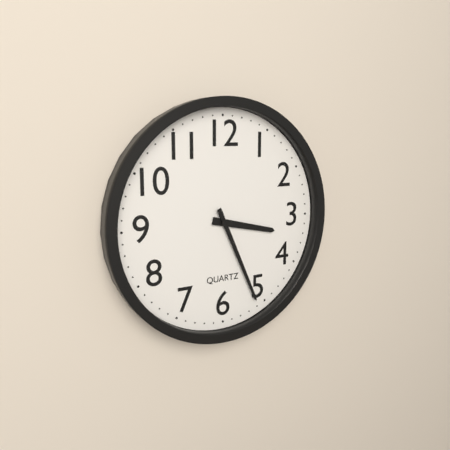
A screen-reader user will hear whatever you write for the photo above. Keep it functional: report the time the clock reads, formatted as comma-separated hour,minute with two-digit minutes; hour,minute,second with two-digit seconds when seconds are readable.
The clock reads 3,26
